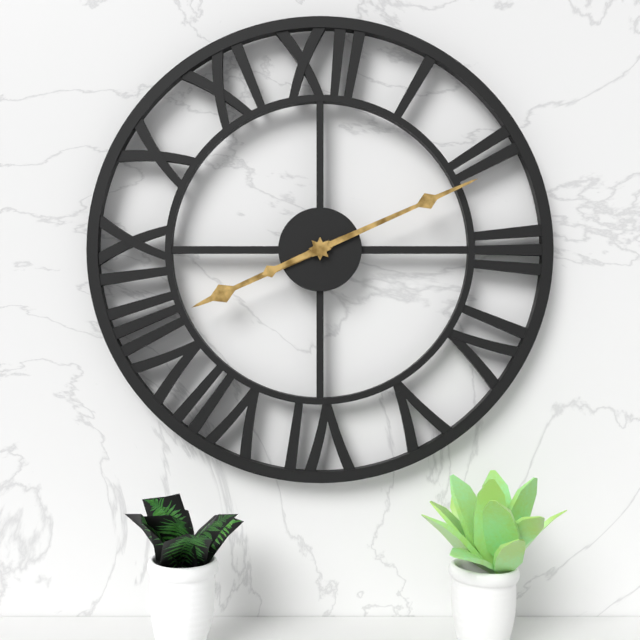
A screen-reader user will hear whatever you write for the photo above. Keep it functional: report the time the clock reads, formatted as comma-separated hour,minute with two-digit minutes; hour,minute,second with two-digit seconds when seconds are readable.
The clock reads 8,11
